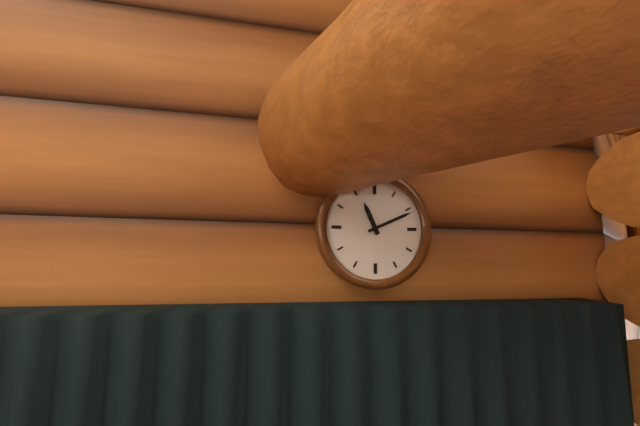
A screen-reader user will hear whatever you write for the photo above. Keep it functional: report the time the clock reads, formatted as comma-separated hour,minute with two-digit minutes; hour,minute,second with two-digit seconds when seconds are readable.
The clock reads 11,11
